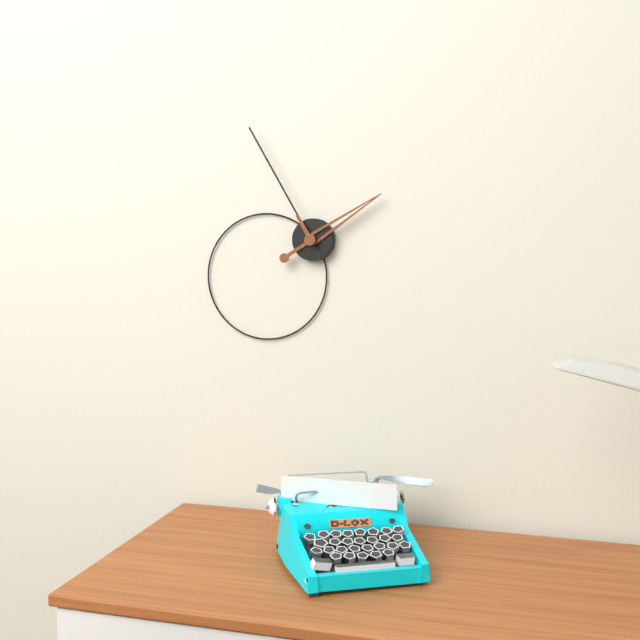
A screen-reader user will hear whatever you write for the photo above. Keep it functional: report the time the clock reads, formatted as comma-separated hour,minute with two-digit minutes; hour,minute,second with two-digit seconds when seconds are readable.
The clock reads 1,55
